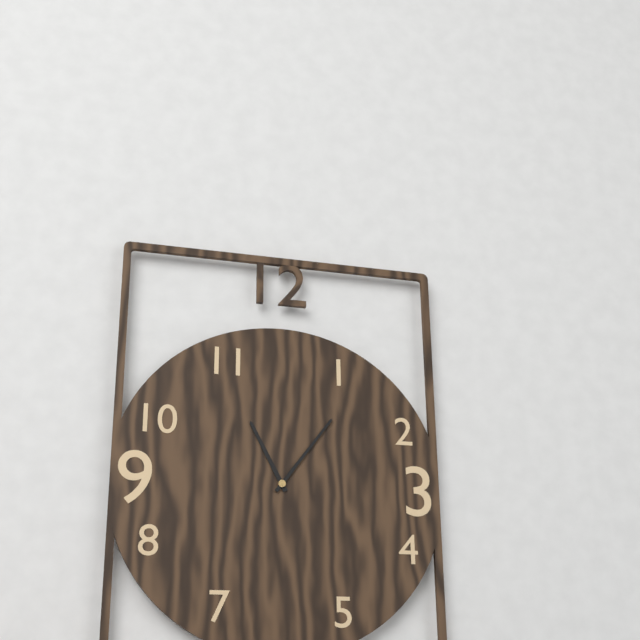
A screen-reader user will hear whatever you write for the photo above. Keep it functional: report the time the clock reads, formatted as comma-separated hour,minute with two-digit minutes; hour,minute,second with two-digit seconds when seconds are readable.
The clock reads 11,06
